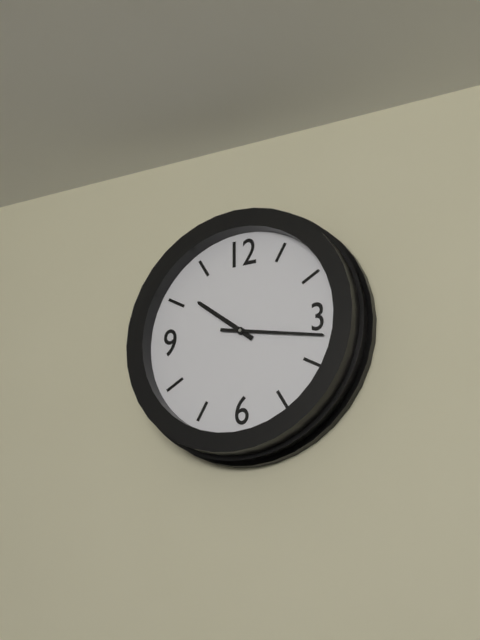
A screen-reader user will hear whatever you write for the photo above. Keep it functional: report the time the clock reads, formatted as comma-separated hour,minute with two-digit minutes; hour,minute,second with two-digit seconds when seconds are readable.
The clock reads 10,17
